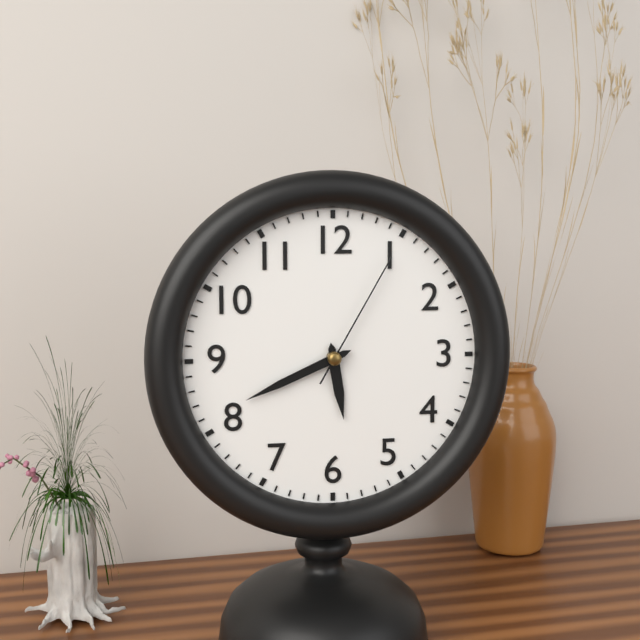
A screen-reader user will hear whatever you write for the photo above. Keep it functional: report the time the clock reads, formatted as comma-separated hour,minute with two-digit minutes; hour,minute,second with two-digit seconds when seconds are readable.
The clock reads 5,41,05
